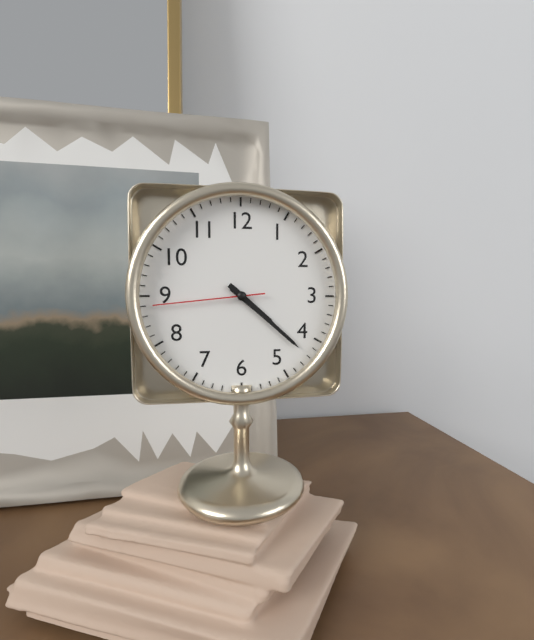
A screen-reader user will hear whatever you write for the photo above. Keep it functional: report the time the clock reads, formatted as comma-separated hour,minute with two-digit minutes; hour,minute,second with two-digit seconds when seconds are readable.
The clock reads 4,22,44
